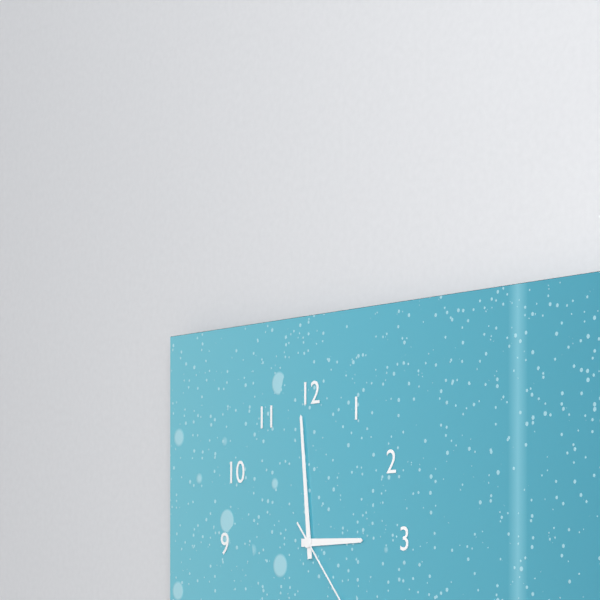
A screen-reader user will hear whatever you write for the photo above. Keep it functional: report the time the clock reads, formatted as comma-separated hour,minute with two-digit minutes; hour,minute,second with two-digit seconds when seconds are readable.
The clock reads 2,59
